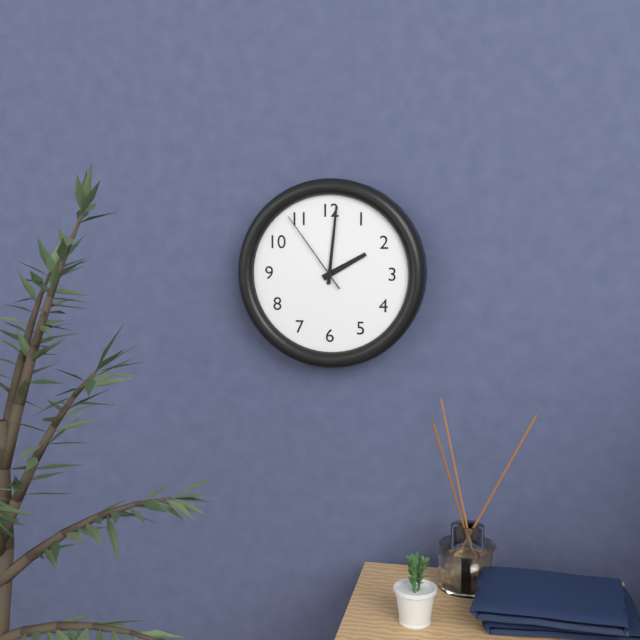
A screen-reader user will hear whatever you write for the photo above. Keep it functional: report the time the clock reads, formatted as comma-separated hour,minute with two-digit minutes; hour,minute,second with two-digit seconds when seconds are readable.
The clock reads 2,01,54
